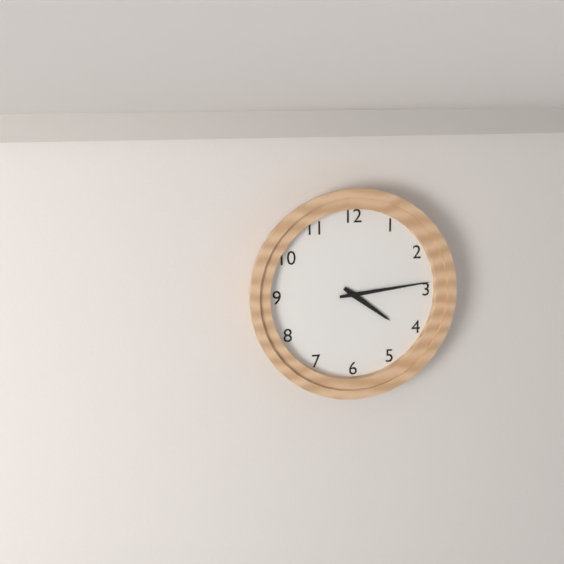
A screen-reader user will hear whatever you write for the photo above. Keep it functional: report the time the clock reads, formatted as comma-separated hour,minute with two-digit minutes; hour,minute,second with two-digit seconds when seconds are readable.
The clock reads 4,14
